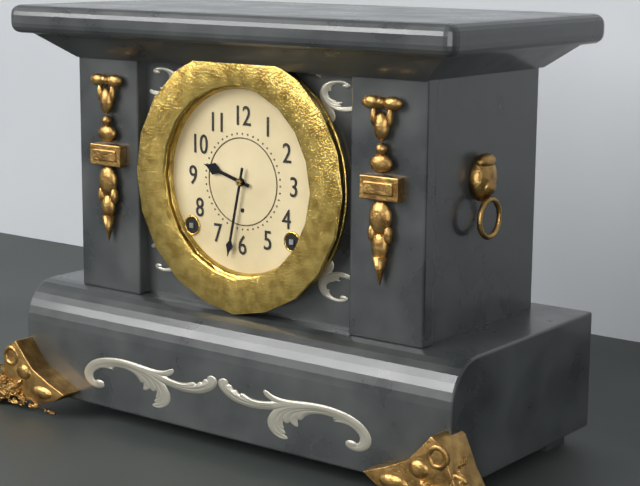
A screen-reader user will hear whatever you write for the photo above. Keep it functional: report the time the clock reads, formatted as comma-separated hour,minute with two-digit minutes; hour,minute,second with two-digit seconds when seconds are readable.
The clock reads 9,32
